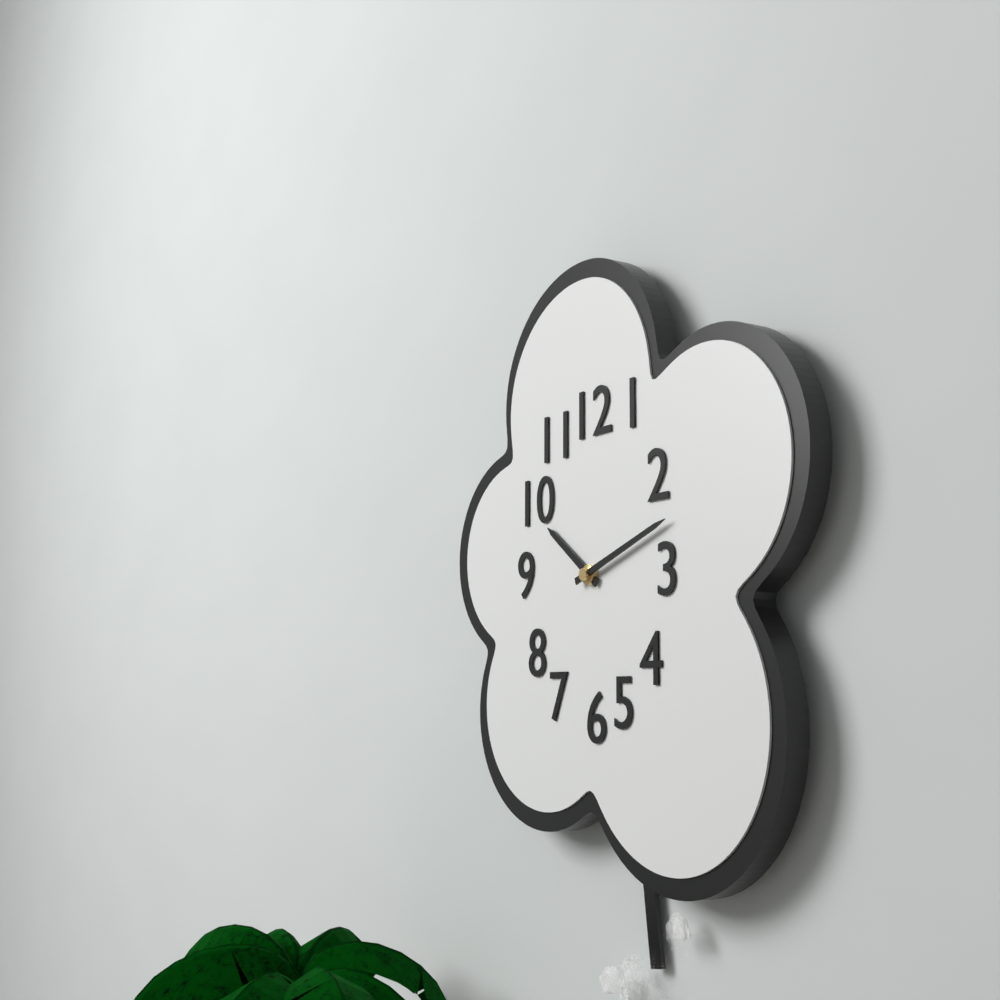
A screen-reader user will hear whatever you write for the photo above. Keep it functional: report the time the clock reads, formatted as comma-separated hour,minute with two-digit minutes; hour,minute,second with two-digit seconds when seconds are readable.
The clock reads 10,12
